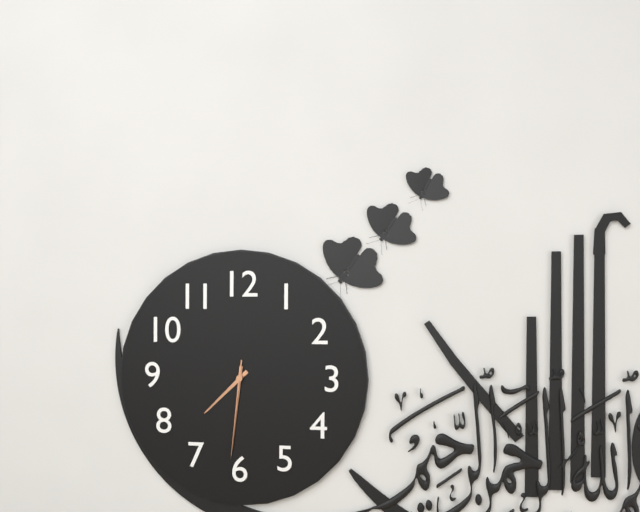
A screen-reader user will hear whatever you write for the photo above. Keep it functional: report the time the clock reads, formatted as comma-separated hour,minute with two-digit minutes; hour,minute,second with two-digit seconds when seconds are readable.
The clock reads 7,31,31
